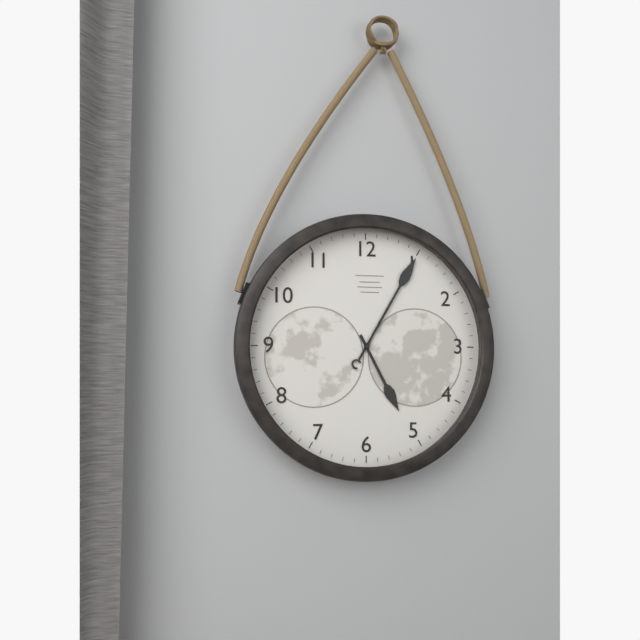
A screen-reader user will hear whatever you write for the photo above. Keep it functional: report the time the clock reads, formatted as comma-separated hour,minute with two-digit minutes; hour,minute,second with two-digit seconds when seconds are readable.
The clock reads 5,05
